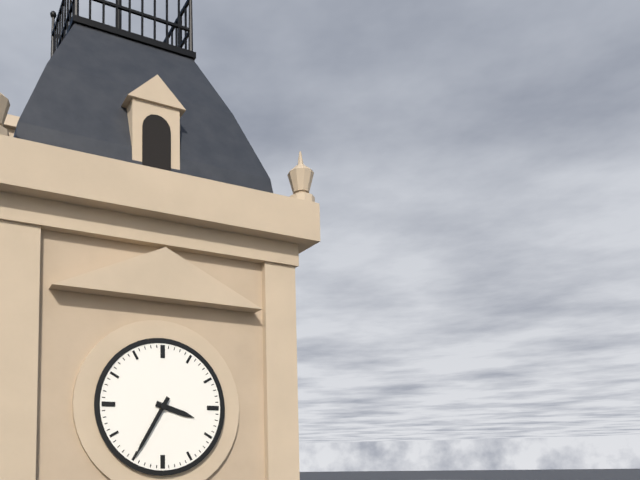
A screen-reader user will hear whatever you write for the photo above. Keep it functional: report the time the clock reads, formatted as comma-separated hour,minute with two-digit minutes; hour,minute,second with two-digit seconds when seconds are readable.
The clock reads 3,35
